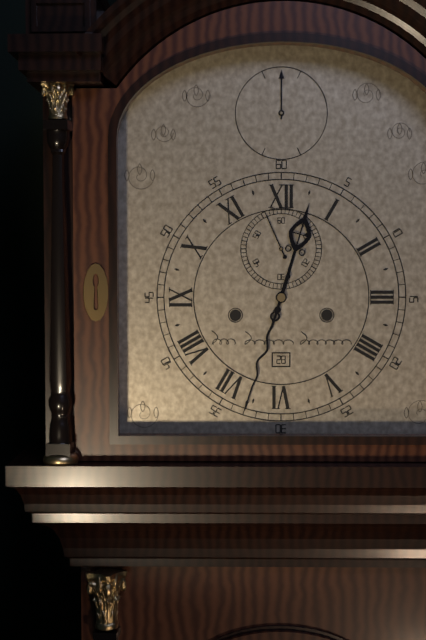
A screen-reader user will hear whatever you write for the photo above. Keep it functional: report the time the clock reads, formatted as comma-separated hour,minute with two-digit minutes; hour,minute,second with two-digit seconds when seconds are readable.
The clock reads 12,33
